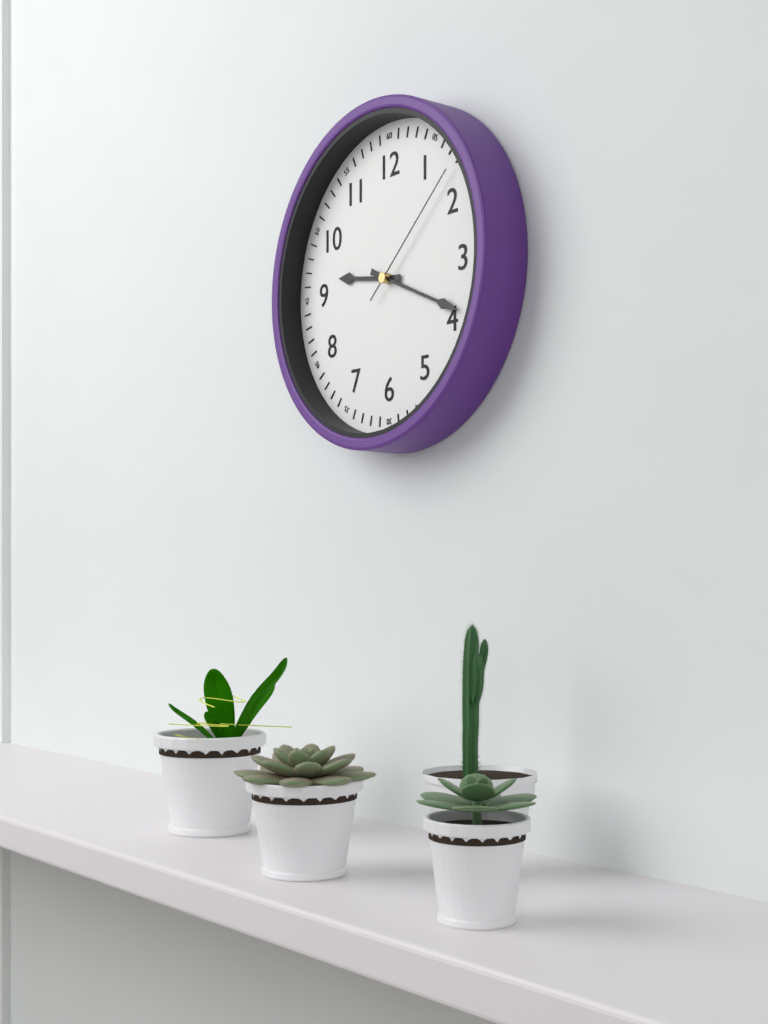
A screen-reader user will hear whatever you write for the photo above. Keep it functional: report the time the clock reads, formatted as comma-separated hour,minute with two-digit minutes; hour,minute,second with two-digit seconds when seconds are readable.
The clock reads 9,19,08
